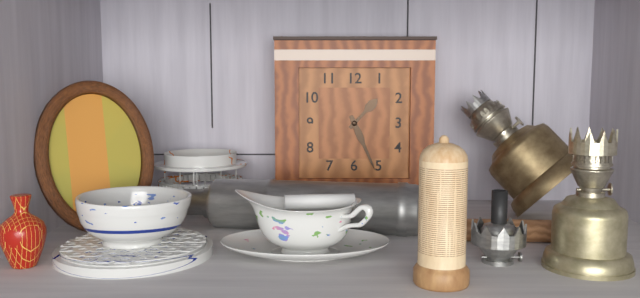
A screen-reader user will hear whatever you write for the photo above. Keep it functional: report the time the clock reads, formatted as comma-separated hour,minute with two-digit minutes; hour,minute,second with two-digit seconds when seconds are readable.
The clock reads 1,26
